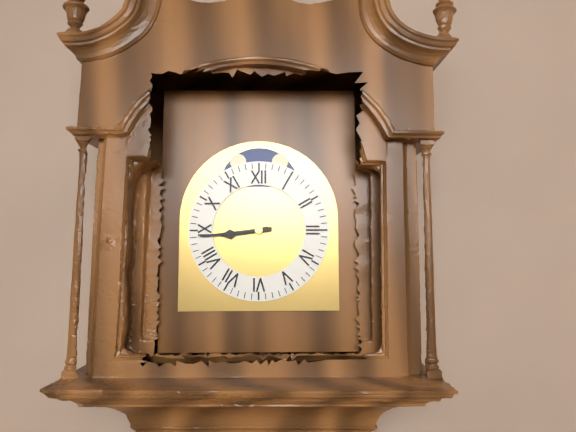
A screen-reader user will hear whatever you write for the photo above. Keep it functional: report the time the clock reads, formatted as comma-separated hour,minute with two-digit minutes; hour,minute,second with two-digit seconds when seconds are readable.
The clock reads 8,44
